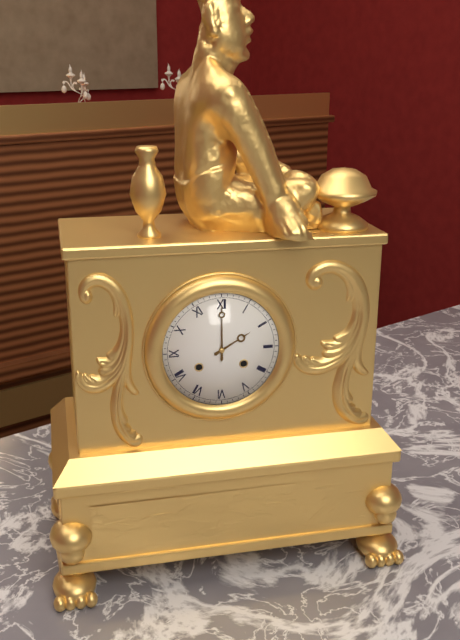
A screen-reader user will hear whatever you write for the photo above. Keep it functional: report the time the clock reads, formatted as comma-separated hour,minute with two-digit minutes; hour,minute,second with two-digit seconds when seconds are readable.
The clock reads 2,00
